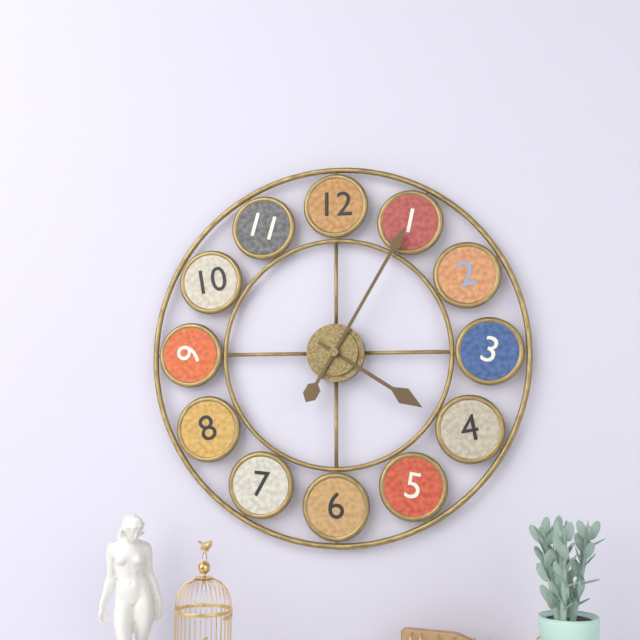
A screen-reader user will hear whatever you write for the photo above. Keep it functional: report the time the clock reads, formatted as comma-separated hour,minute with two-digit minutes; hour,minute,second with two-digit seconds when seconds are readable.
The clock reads 4,05
